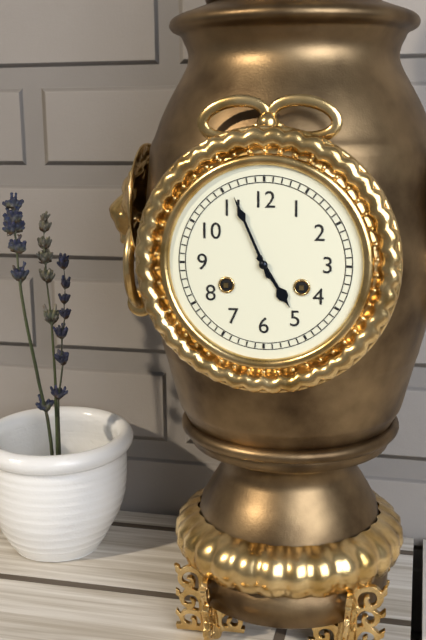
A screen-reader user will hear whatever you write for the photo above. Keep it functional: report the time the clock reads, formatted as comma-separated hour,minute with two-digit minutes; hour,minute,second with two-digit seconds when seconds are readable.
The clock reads 4,56
